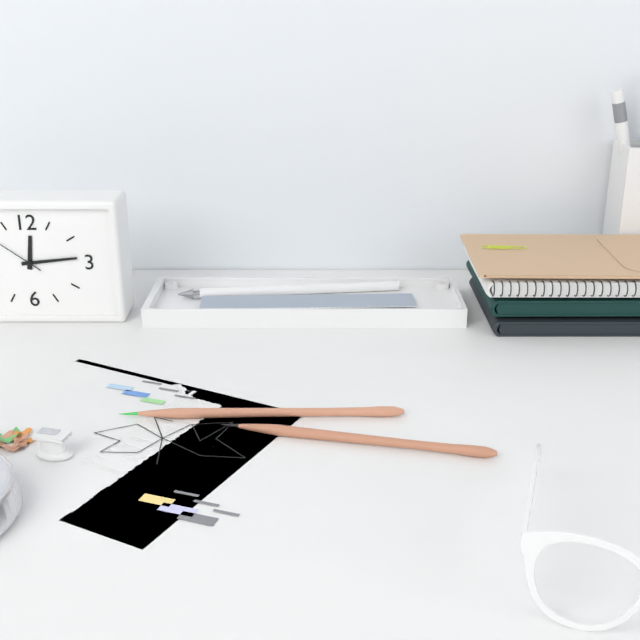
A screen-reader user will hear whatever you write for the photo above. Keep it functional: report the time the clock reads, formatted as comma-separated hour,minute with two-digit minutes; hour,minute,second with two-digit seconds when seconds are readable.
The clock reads 12,14
